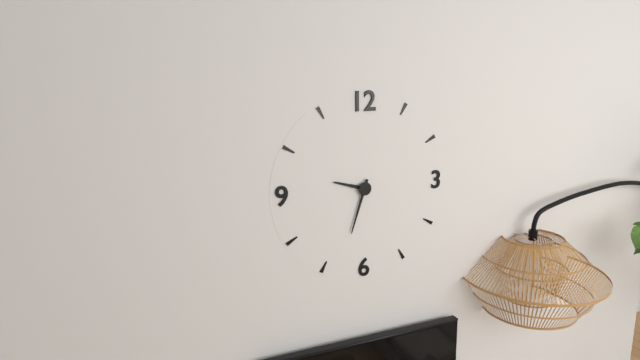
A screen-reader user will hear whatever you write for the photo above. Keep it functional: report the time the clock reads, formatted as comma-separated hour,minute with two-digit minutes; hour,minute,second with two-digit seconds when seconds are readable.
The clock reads 9,33
